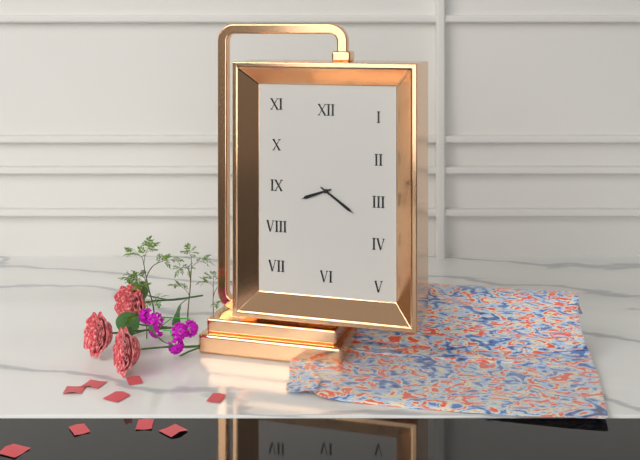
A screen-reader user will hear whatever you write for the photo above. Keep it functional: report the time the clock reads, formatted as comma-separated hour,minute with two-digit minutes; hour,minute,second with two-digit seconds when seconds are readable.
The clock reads 8,21
